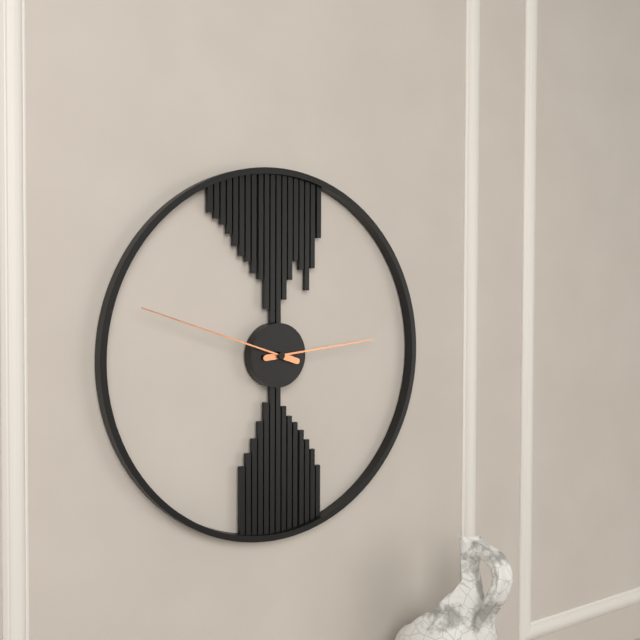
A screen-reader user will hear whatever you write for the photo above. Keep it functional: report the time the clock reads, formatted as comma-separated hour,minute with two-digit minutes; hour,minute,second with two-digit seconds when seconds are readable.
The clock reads 2,48
